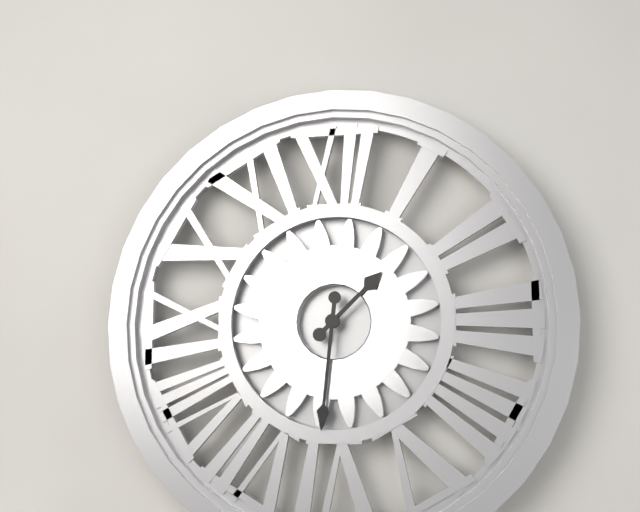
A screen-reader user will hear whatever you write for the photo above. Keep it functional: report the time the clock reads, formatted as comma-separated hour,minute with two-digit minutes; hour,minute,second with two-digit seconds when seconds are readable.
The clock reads 1,31
